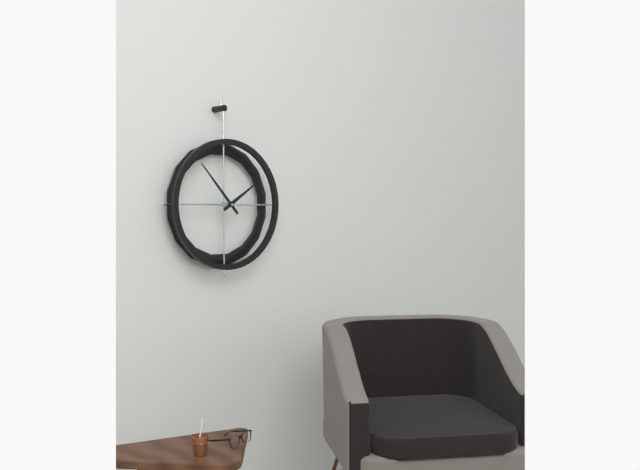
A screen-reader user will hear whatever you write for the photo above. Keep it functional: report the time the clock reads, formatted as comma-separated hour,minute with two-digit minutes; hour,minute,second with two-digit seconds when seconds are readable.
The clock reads 1,53
